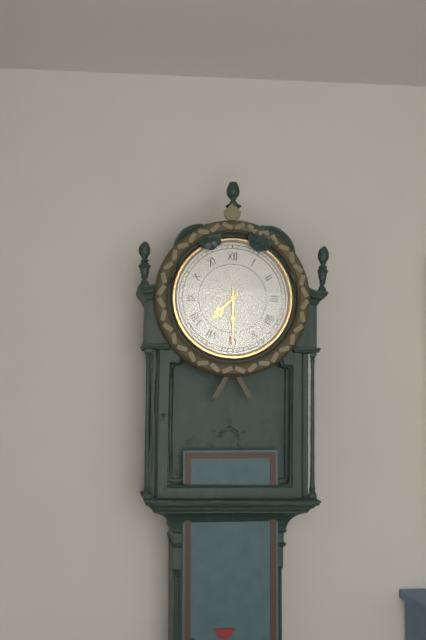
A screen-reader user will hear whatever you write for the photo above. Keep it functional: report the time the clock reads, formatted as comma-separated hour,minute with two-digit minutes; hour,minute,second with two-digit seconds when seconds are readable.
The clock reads 7,30
